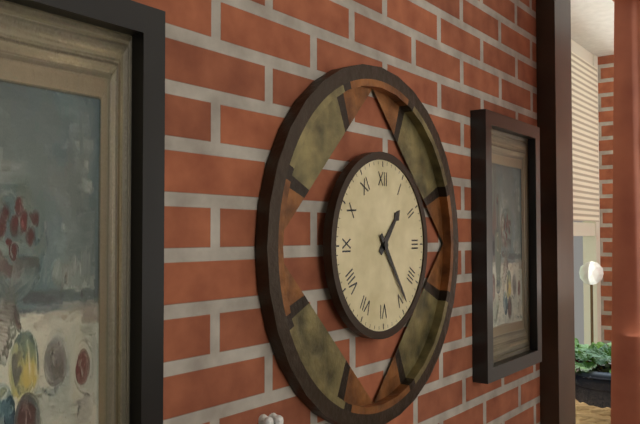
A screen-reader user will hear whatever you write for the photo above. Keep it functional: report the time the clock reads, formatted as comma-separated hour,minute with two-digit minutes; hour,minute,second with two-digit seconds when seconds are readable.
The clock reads 1,24
